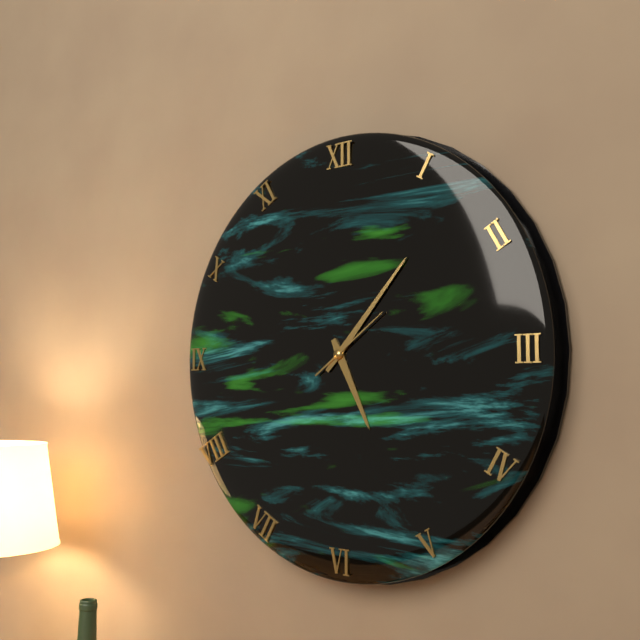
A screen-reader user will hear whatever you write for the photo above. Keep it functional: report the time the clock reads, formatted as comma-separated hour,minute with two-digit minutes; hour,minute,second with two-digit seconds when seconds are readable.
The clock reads 5,07,09
